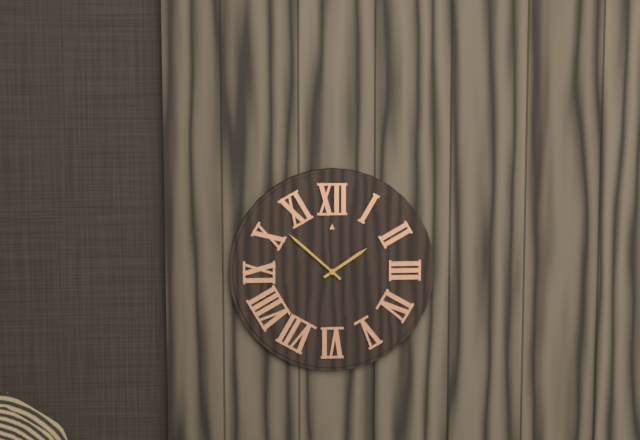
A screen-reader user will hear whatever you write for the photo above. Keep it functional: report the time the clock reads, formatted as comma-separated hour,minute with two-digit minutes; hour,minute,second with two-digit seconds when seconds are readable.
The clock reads 1,52
